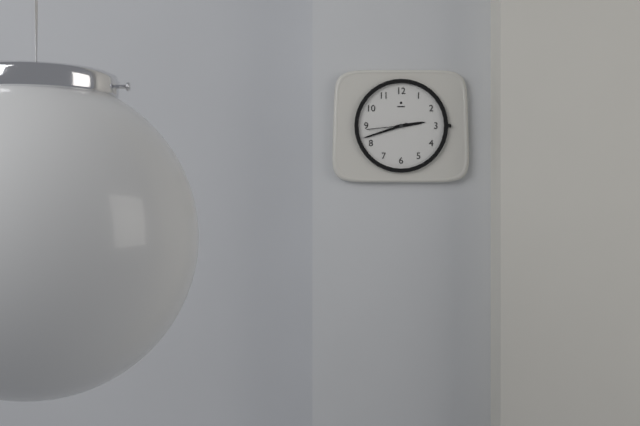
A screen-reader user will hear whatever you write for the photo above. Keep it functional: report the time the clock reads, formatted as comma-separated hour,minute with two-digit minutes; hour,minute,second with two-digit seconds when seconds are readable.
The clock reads 2,42
